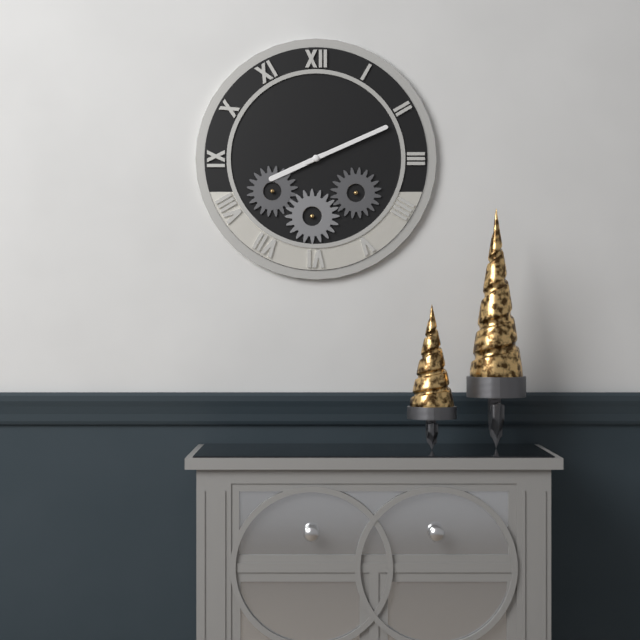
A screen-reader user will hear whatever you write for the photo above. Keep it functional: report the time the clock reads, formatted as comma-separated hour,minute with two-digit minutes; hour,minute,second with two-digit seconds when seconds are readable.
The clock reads 8,11
